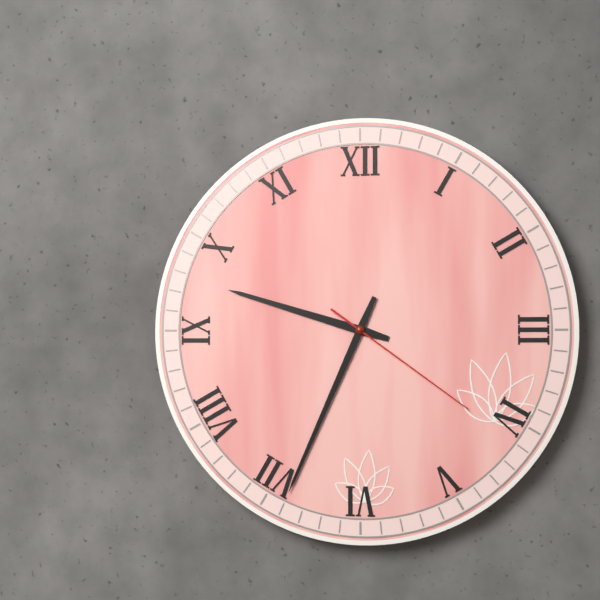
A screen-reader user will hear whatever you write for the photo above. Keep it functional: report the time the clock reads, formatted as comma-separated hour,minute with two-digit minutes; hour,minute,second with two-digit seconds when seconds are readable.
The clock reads 9,34,21
